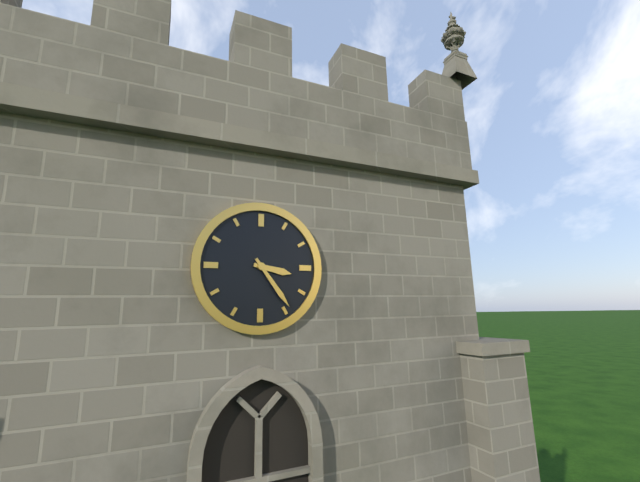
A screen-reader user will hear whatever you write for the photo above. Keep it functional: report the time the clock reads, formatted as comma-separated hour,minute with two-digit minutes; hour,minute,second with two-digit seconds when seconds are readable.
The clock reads 3,24
